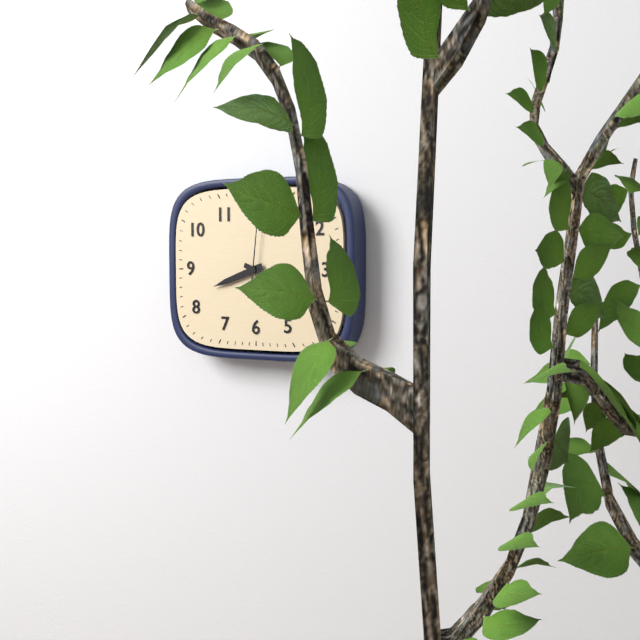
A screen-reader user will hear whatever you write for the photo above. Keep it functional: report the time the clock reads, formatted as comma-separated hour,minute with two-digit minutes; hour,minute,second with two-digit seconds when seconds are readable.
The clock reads 8,19,01
